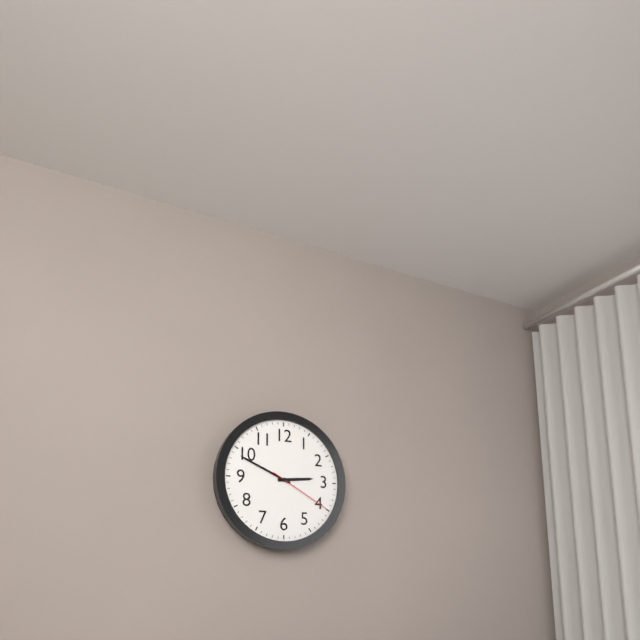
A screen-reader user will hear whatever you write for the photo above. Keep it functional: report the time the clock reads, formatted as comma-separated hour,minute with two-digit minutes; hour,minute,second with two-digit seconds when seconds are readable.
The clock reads 2,49,20
